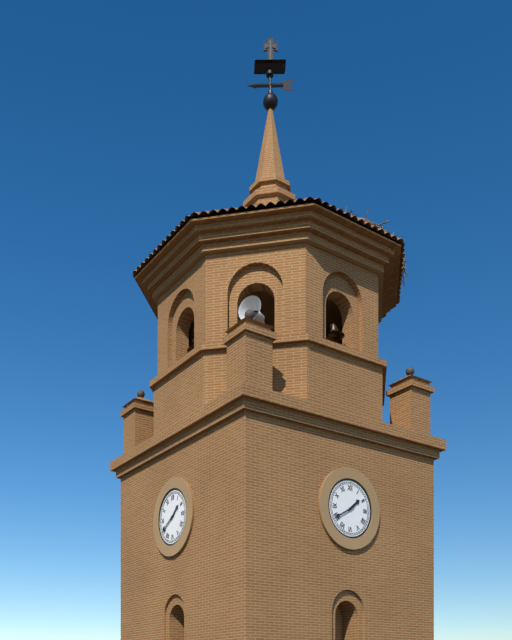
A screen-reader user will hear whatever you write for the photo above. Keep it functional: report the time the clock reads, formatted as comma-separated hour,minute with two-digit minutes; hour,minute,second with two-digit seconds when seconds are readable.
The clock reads 1,40
